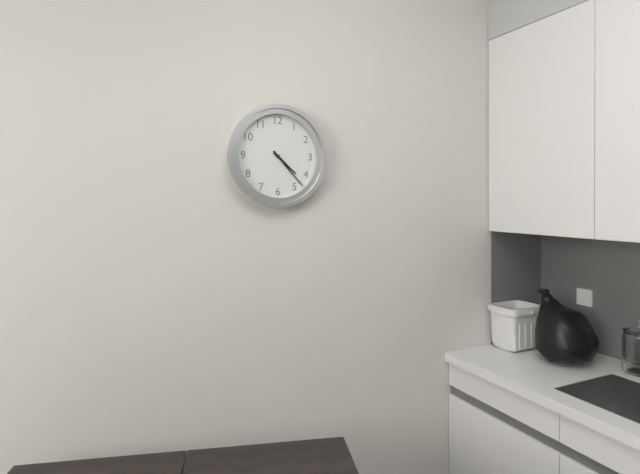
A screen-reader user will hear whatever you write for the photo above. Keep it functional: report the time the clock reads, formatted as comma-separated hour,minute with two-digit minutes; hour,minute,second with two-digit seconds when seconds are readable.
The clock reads 4,23
